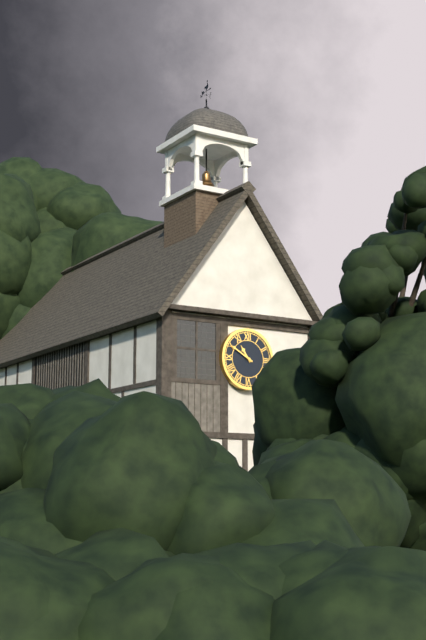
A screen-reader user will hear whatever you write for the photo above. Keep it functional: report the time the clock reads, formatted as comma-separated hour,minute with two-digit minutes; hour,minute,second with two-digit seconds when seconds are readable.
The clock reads 10,50
